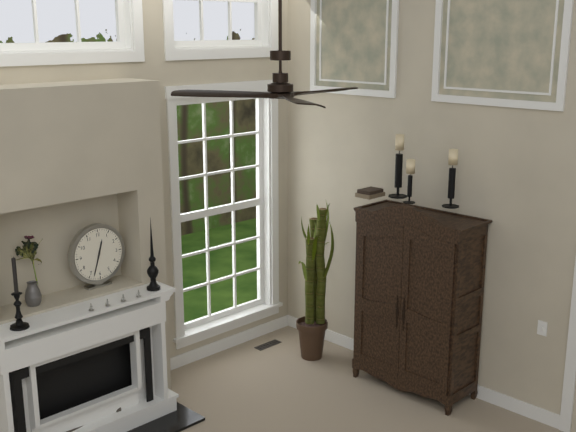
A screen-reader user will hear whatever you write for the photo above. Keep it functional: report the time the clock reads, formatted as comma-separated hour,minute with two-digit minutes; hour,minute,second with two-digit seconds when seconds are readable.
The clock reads 12,33
